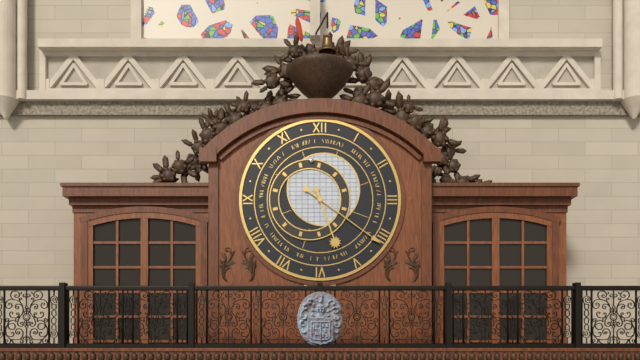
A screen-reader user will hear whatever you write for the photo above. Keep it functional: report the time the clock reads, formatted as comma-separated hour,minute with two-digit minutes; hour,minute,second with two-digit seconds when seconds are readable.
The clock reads 5,21
